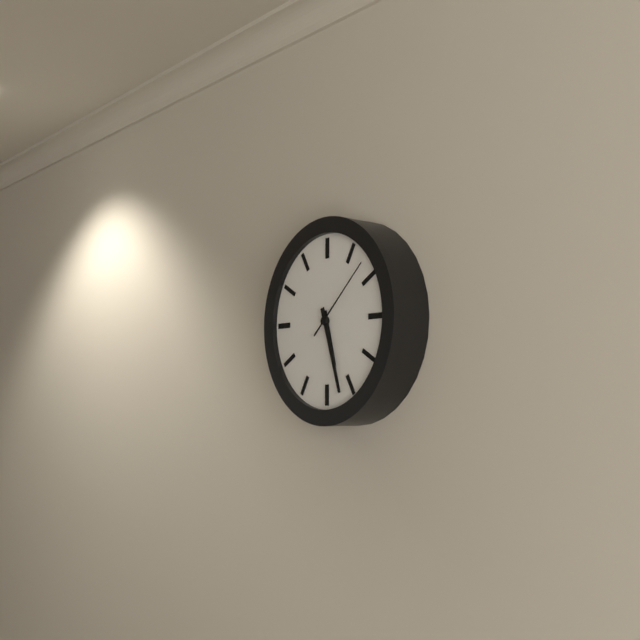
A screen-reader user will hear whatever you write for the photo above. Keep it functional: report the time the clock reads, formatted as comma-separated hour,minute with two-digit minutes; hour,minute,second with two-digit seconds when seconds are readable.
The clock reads 5,27,08
